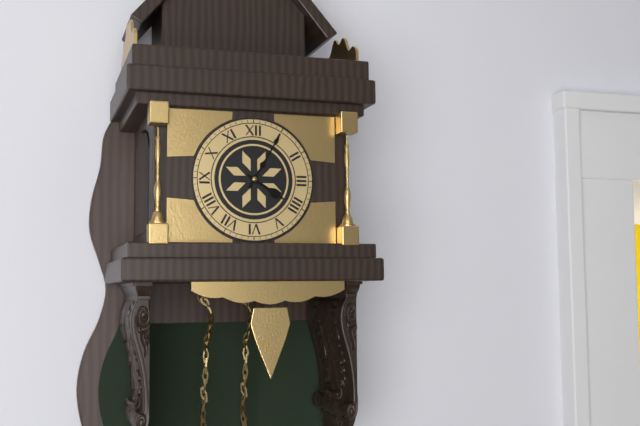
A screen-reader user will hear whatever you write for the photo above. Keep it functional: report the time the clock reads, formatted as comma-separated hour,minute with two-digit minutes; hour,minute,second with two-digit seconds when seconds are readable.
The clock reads 4,05
